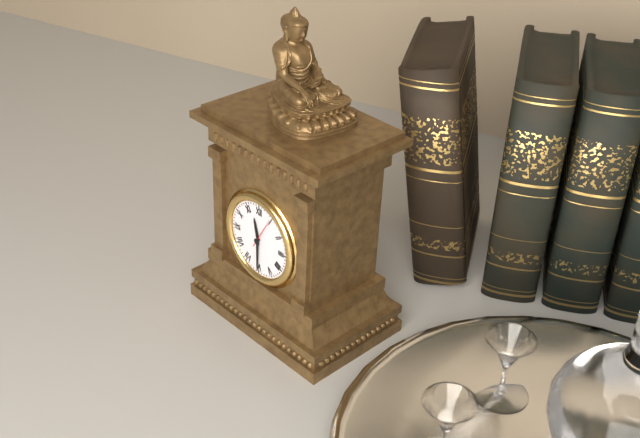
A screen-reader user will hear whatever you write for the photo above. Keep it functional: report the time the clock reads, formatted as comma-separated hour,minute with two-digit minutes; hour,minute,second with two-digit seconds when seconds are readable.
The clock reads 11,30
